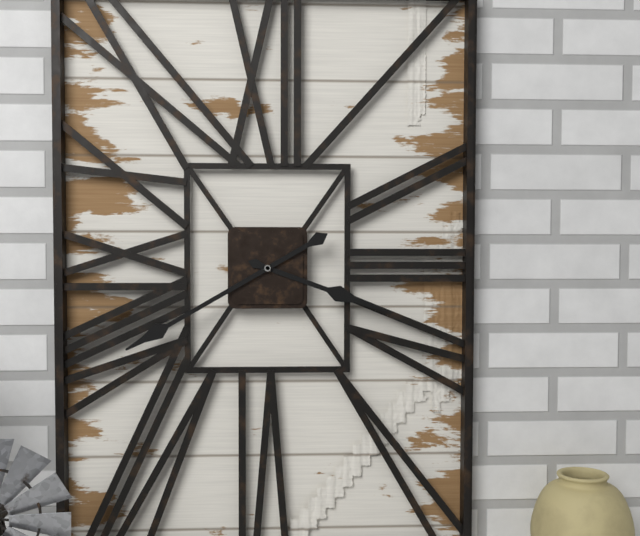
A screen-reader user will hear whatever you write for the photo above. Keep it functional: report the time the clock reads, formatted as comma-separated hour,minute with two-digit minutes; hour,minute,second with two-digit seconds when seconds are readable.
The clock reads 3,40
